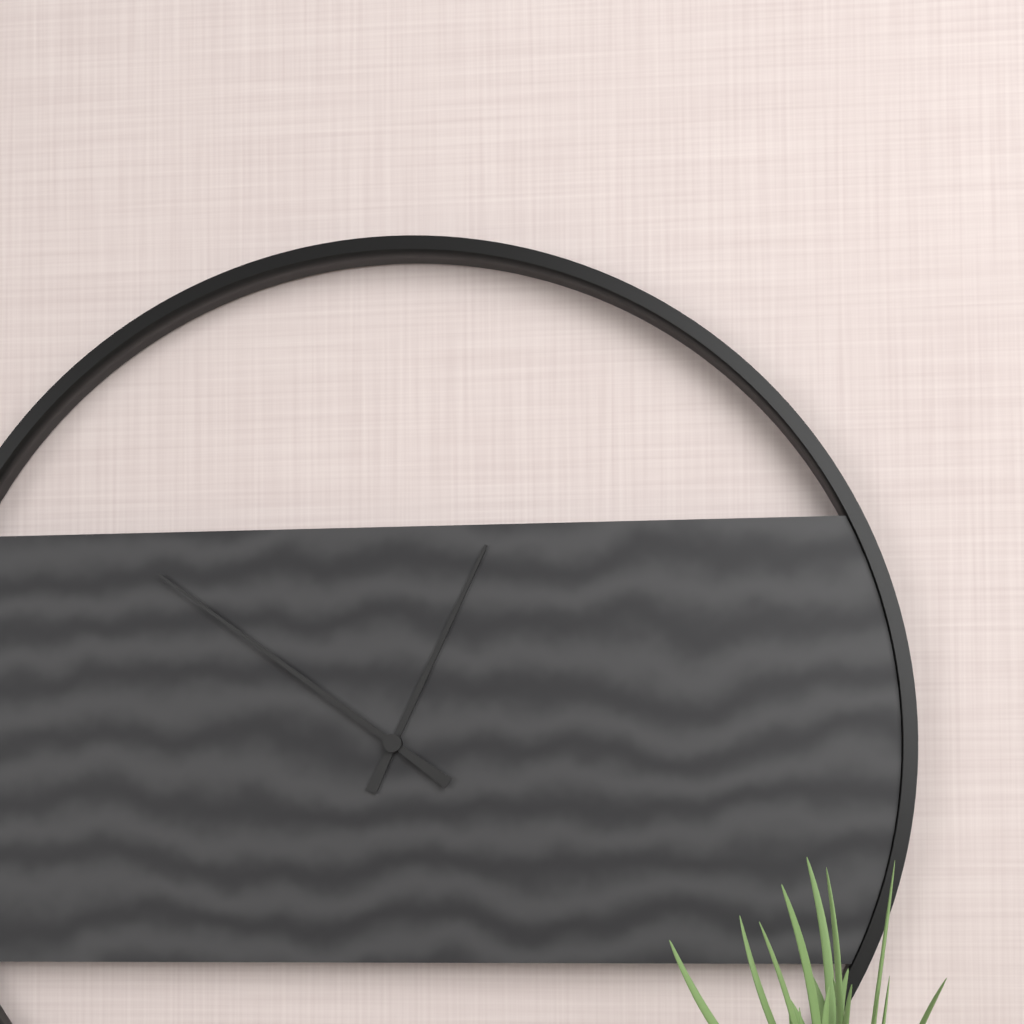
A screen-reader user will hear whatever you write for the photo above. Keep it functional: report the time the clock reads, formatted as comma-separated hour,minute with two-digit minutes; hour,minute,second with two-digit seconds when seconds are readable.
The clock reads 12,51
